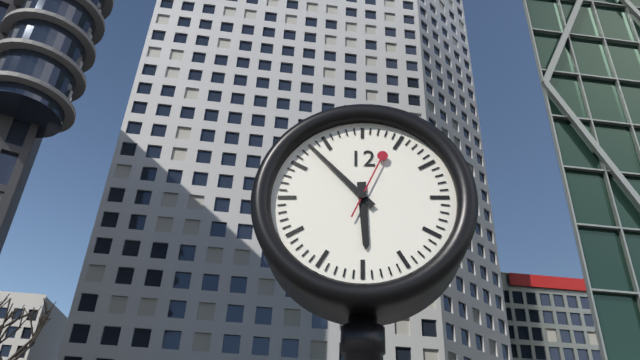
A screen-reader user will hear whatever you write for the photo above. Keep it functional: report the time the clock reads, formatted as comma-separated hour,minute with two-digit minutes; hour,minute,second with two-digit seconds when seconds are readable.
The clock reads 5,53,04
